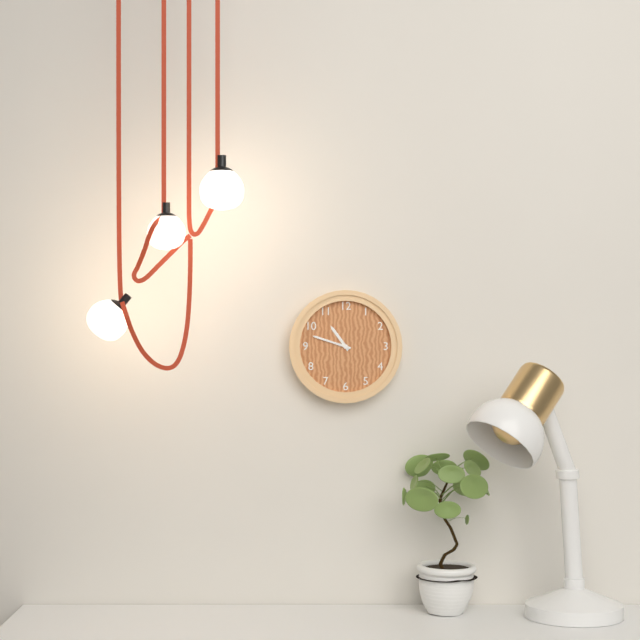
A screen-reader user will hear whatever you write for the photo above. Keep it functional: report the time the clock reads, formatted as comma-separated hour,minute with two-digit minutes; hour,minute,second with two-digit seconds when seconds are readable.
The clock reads 10,48
